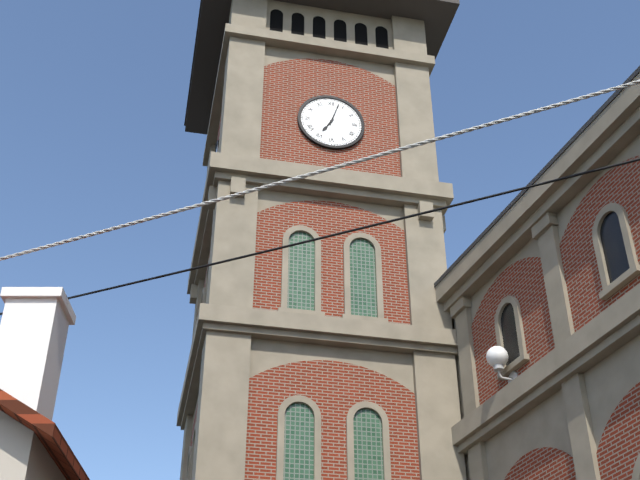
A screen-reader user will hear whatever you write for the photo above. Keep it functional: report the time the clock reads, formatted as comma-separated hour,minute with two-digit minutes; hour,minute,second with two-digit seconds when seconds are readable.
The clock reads 7,03
